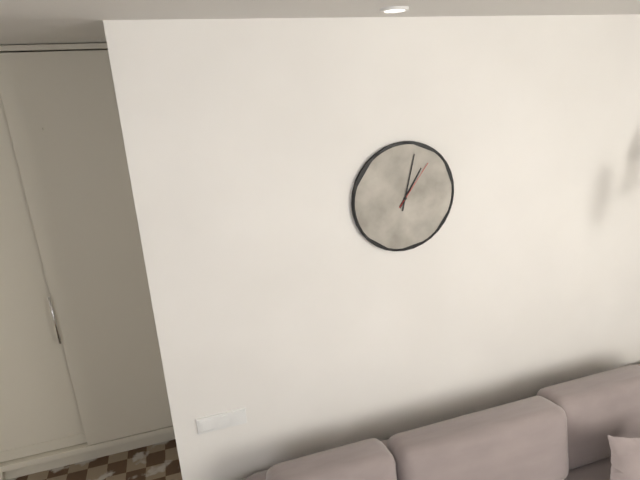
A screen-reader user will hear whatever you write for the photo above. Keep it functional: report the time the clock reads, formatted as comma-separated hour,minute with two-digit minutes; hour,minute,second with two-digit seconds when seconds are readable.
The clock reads 1,02,06
